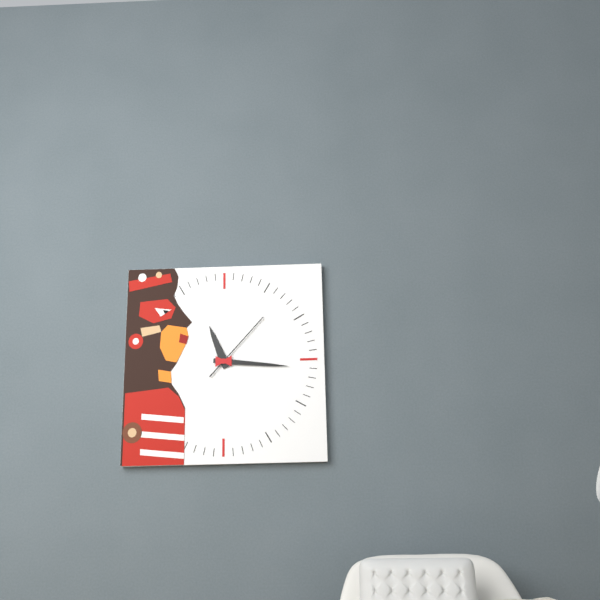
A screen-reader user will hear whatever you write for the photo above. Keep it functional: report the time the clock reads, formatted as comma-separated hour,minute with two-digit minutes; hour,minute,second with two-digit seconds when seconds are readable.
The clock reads 11,16,07
